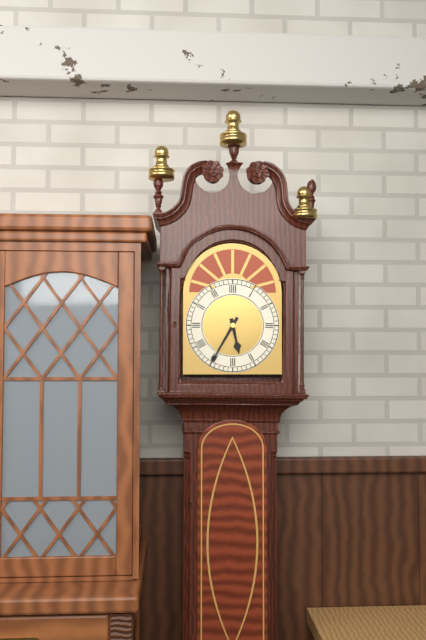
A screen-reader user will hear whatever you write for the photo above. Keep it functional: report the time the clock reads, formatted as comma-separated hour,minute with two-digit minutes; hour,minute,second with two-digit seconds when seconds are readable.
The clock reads 5,35
